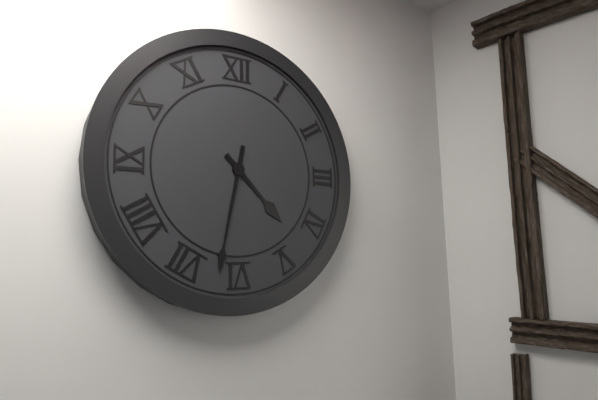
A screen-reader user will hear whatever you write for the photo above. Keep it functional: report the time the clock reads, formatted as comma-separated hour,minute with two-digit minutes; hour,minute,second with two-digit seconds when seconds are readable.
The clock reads 4,32
